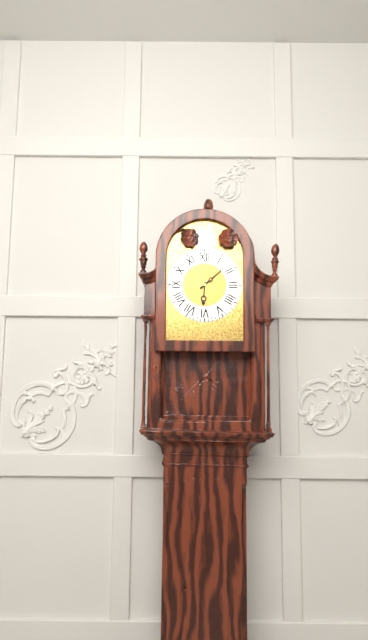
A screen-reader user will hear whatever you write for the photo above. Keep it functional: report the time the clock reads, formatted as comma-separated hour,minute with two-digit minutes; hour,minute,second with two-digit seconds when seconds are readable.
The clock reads 6,08
